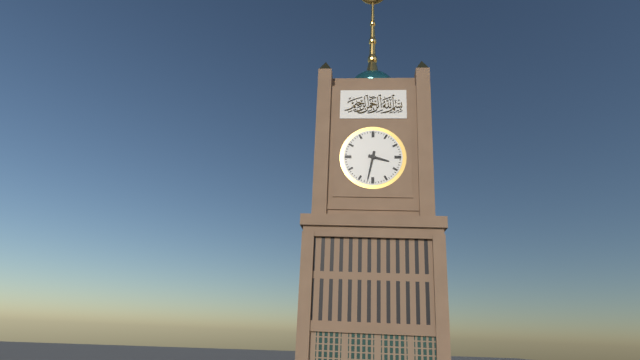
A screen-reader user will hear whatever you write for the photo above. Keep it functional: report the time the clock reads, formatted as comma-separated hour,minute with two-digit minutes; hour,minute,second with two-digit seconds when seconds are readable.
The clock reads 3,32
